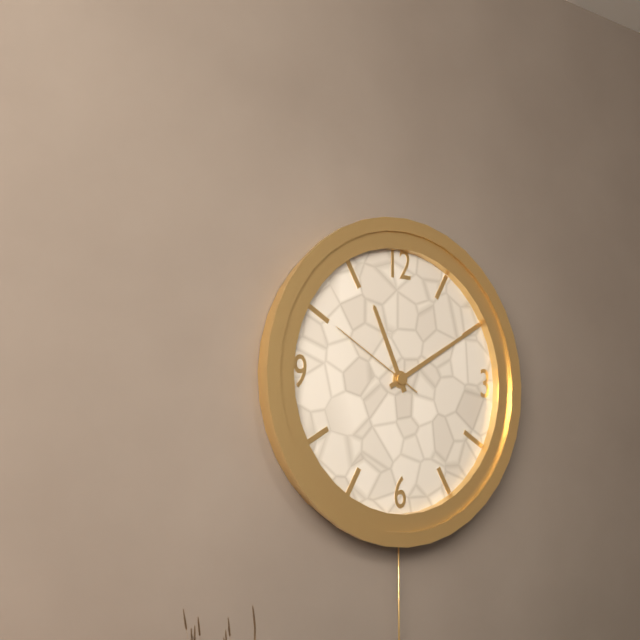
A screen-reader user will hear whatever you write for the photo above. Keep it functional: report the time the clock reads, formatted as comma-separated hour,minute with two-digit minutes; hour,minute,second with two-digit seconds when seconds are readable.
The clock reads 11,10,50
